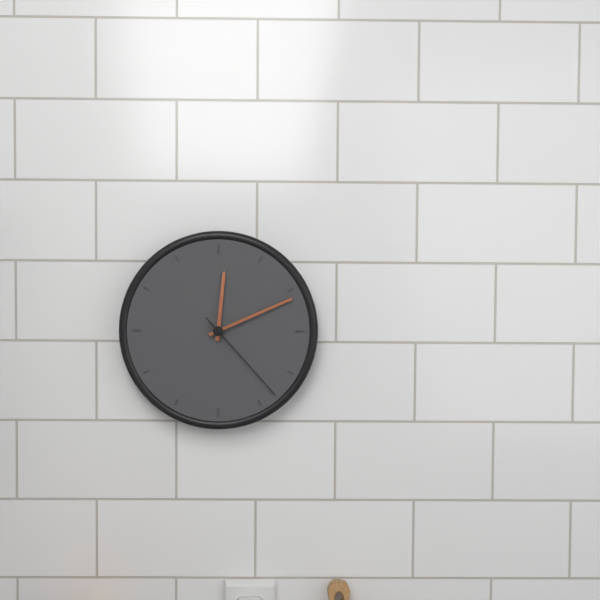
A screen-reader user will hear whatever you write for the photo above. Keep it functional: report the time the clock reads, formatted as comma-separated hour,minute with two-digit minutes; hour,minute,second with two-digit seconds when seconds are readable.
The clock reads 12,11,23
